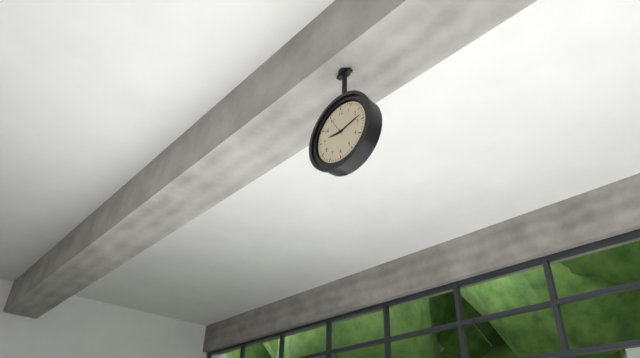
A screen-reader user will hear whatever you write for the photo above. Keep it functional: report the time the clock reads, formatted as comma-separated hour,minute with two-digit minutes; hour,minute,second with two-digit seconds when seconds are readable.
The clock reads 9,13
